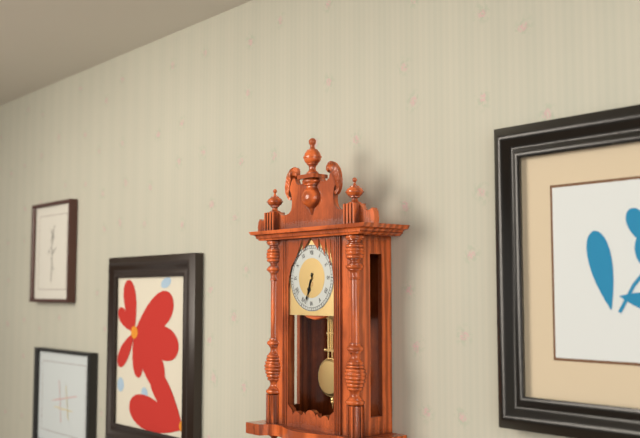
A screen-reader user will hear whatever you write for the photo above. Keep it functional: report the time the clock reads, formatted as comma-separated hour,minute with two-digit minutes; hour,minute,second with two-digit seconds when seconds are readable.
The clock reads 6,33
